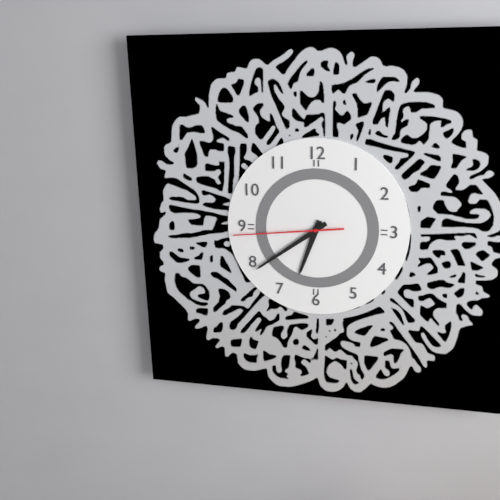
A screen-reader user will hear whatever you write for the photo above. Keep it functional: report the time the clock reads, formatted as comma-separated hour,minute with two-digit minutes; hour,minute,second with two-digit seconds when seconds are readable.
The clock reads 6,39,44
